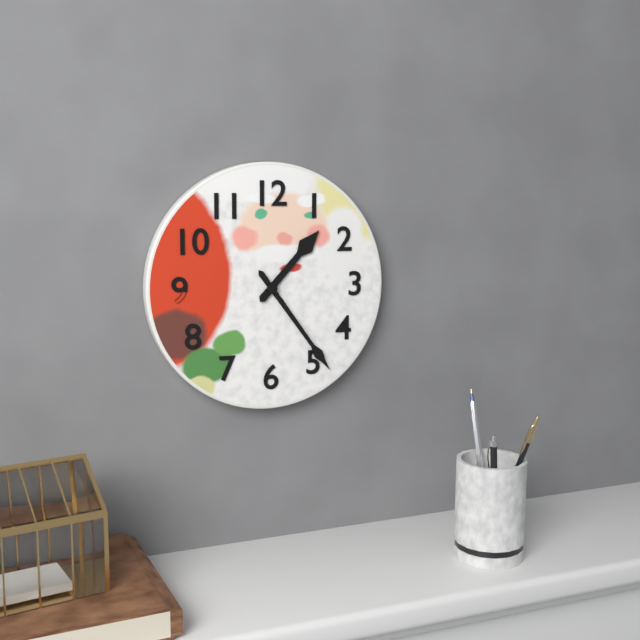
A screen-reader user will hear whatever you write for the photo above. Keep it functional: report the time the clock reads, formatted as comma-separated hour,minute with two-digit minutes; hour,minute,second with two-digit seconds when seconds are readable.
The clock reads 1,24
